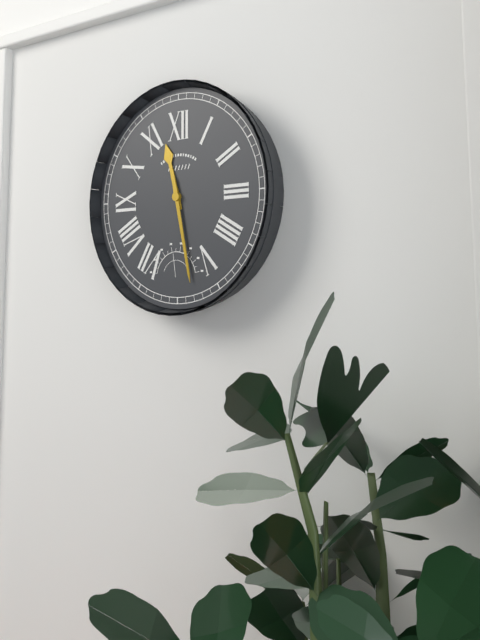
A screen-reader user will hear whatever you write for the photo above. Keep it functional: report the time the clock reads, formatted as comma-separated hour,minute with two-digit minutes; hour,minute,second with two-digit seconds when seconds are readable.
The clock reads 11,28
